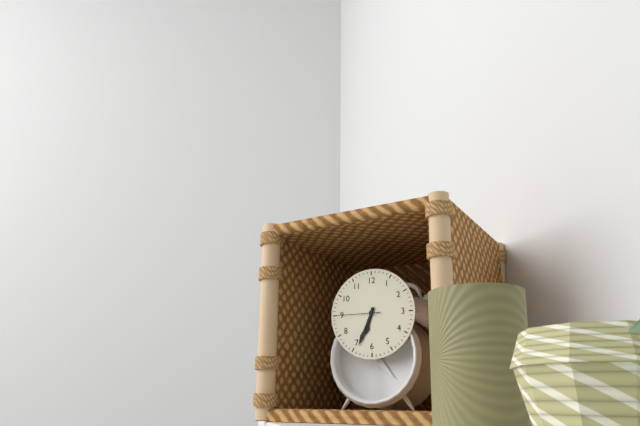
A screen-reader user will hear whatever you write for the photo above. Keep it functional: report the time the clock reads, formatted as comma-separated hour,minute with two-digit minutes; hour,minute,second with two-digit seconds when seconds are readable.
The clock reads 6,34
